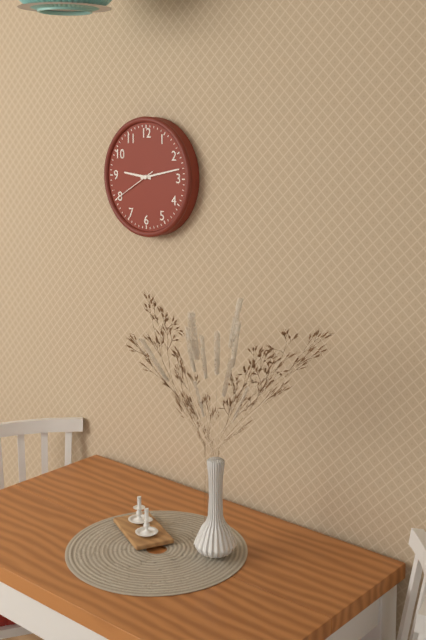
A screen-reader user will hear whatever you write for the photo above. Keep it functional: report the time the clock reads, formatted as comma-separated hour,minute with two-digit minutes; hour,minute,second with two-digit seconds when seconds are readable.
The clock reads 9,13
